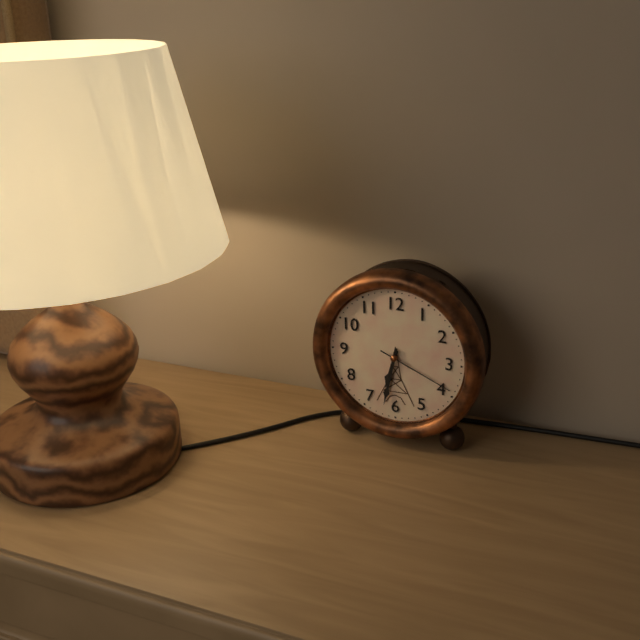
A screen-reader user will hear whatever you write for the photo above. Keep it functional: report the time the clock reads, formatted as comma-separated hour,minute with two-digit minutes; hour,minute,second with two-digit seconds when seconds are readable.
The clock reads 6,32,19
